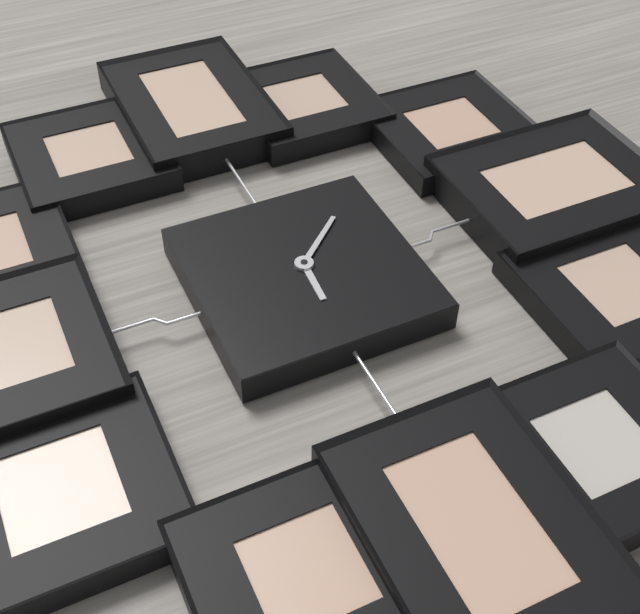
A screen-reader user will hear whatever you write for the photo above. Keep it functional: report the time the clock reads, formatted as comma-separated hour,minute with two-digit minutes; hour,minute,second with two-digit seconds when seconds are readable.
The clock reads 6,08
